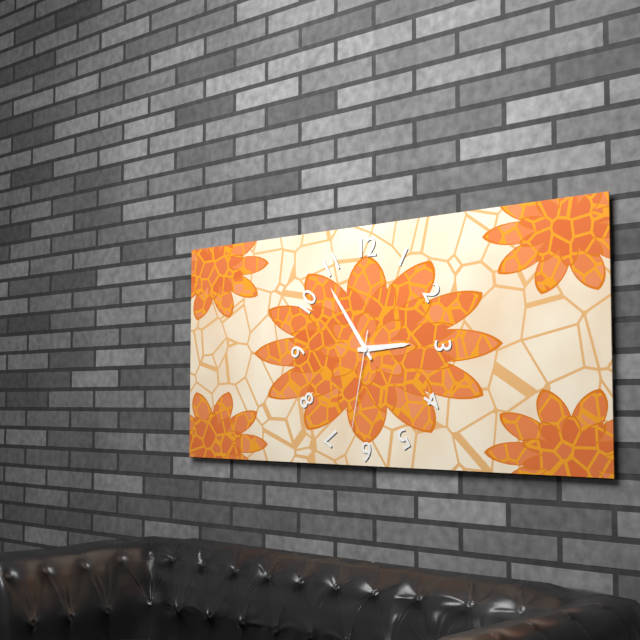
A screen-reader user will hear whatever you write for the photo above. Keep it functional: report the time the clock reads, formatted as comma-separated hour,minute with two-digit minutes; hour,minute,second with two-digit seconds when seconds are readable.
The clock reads 2,54,32
